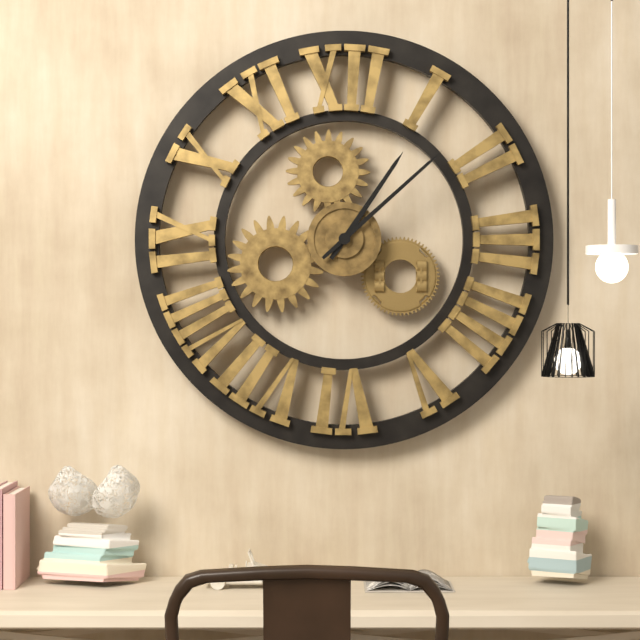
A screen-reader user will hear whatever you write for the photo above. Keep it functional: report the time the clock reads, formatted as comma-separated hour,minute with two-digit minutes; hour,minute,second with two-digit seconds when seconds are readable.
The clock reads 1,08
